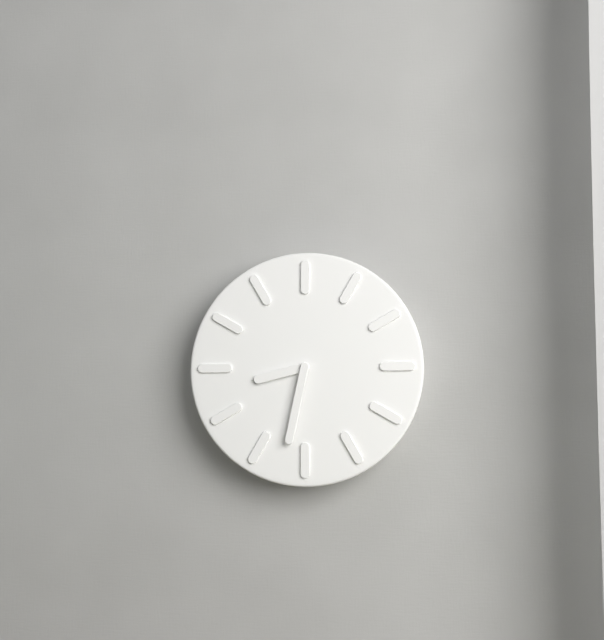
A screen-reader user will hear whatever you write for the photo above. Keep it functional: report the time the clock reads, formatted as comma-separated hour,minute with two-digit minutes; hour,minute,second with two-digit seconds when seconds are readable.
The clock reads 8,32
